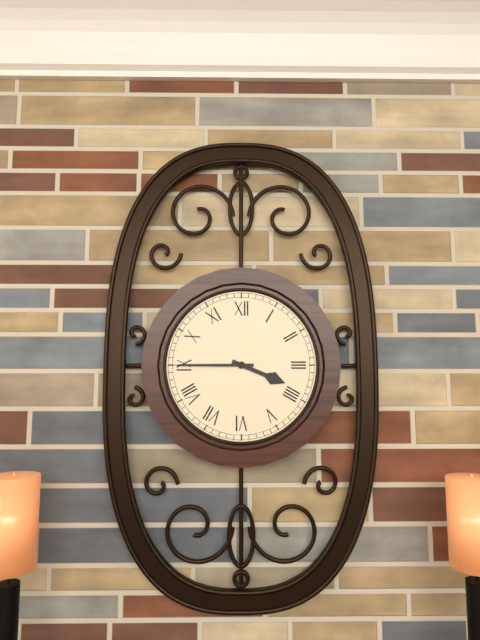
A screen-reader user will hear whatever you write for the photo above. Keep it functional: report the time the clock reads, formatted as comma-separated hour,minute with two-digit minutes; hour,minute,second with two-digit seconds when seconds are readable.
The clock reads 3,45
